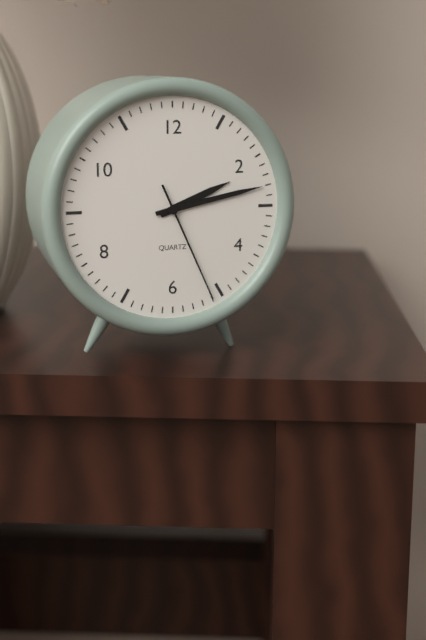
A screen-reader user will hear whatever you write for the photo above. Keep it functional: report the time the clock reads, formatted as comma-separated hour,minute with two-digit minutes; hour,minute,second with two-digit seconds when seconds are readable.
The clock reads 2,13,26
